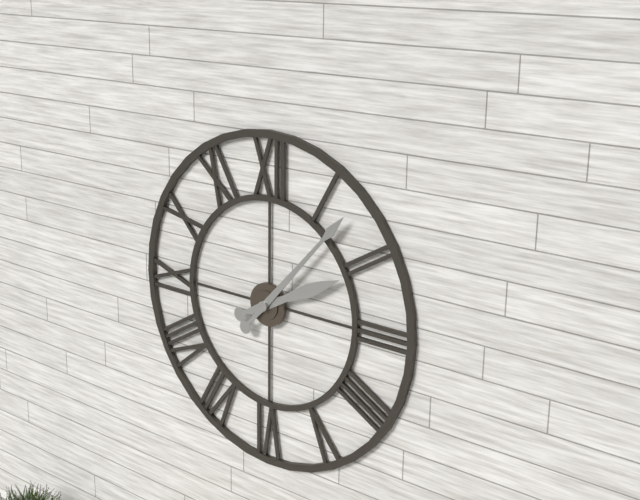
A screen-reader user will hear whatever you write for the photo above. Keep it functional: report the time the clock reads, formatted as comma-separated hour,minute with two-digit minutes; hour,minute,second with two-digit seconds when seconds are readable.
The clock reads 2,07
